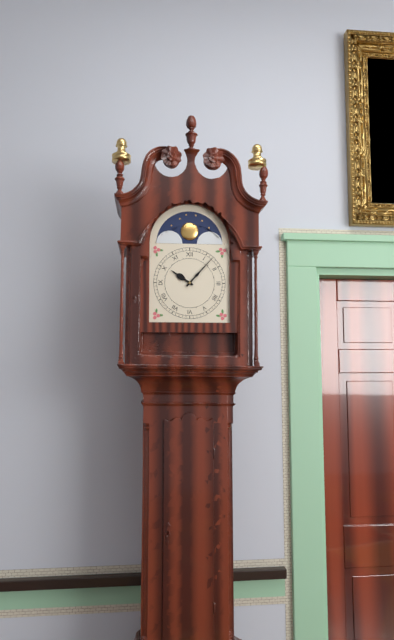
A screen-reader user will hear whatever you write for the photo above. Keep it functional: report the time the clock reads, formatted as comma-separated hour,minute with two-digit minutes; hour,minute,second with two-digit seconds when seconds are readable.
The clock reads 10,07
